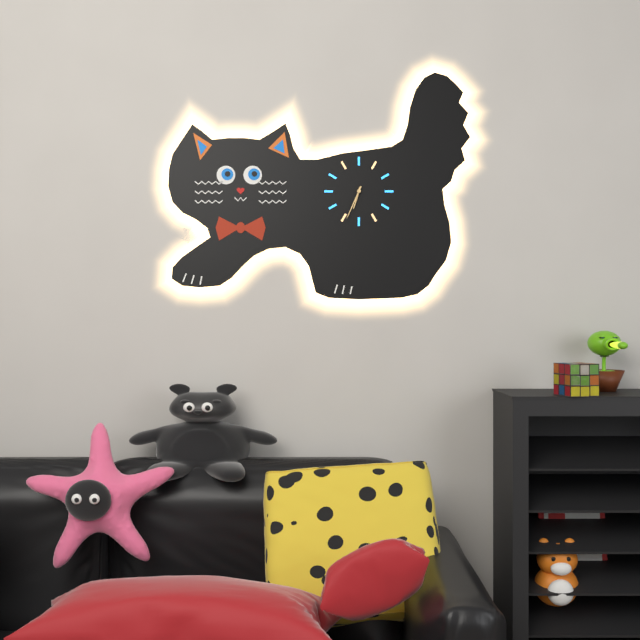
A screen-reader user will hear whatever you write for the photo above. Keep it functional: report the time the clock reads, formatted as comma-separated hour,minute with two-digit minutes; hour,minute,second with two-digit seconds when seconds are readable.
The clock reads 6,34
